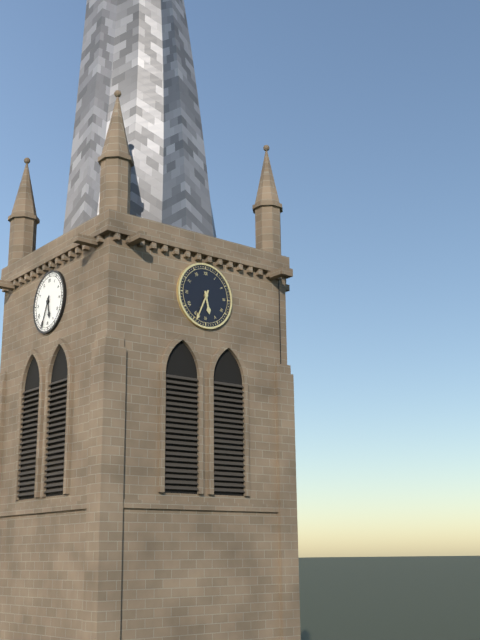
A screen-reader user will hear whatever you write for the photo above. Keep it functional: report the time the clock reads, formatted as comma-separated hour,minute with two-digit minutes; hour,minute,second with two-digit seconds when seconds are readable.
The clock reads 5,34
